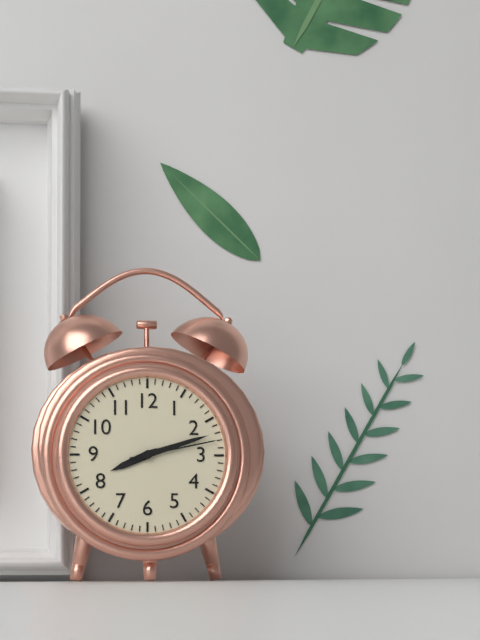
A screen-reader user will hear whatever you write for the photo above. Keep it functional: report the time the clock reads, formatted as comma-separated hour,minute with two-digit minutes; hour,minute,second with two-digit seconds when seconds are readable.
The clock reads 8,12,13
